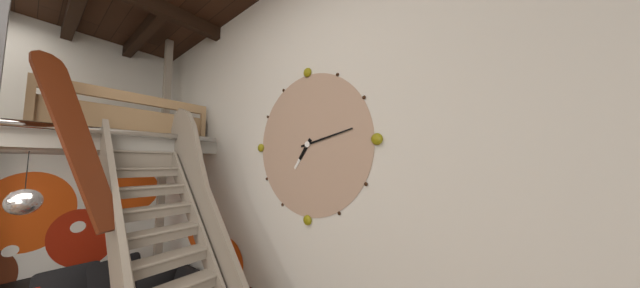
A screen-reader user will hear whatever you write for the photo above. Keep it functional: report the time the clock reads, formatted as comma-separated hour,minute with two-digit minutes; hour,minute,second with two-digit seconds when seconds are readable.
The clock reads 7,13
